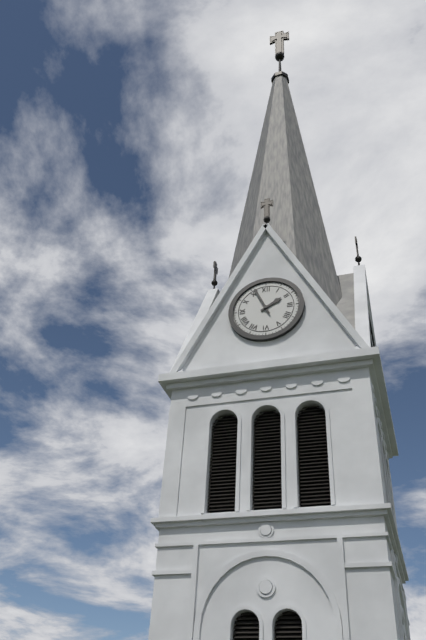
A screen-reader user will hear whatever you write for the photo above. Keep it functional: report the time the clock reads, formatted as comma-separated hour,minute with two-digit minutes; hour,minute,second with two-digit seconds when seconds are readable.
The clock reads 1,56
